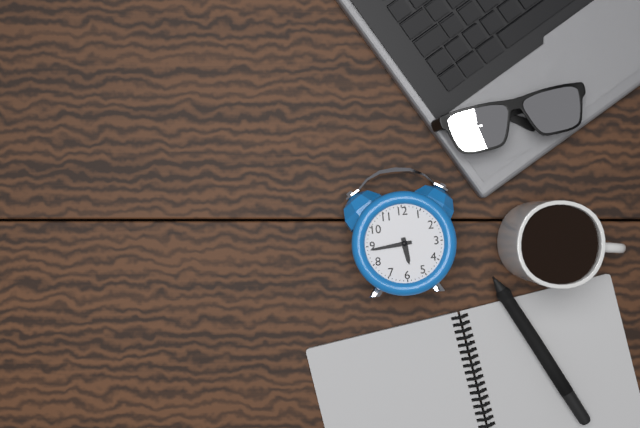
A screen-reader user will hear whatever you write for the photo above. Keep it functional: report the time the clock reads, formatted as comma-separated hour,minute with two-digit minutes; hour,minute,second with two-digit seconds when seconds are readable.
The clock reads 5,44
